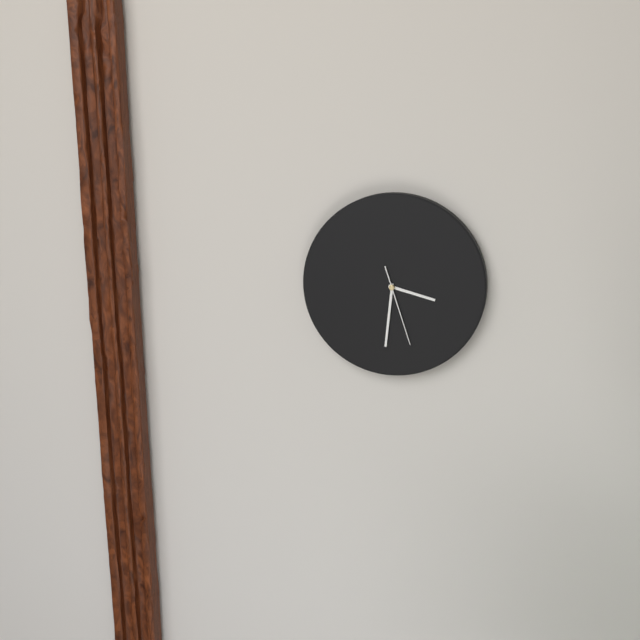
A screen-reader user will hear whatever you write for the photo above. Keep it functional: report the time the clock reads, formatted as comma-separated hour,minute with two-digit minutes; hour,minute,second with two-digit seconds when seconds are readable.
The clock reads 3,31,27
